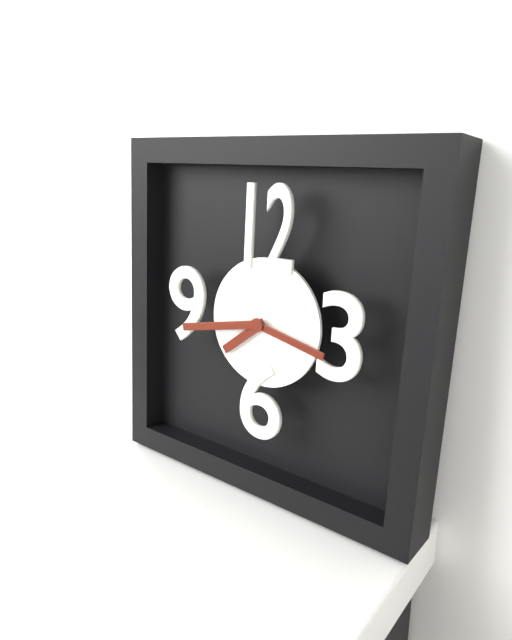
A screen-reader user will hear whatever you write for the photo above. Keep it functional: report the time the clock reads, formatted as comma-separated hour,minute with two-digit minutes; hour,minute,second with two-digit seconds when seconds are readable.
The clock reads 7,43,17
